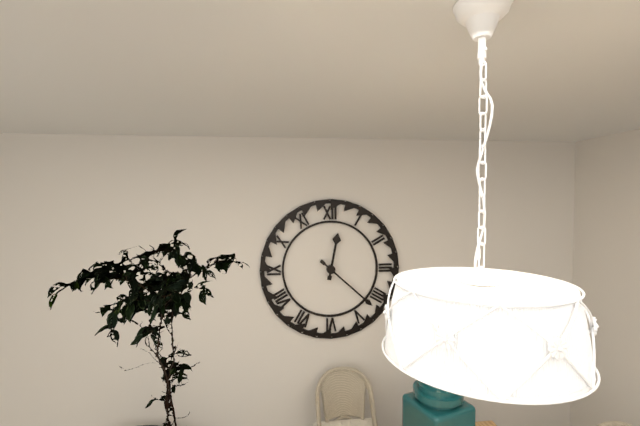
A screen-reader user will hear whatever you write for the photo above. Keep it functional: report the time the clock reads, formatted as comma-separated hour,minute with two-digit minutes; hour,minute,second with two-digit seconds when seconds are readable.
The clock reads 12,22
